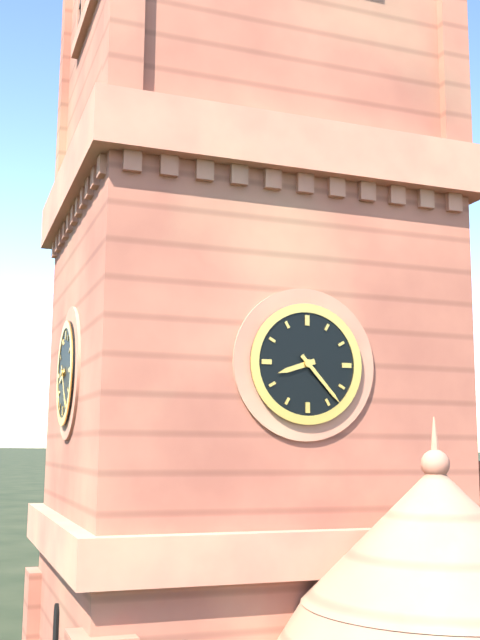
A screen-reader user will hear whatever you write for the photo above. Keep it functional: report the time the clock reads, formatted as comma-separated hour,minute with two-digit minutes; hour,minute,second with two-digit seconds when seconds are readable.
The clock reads 8,23
